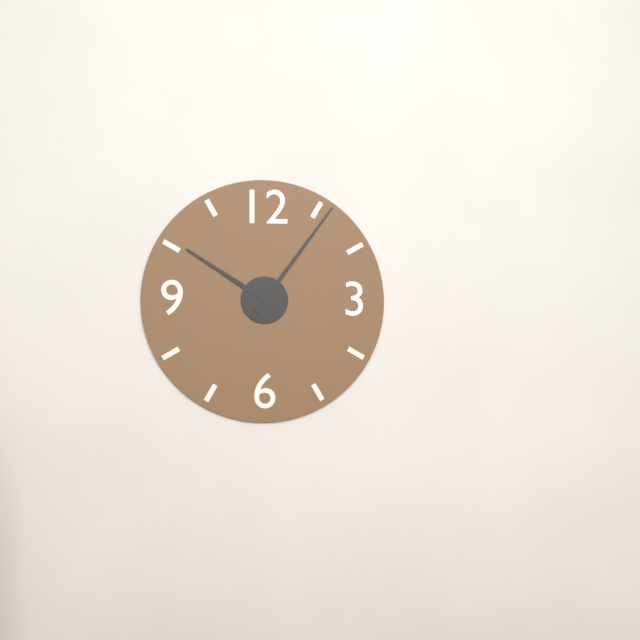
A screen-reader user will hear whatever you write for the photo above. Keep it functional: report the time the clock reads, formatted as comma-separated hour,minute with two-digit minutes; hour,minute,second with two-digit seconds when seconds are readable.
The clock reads 10,06
